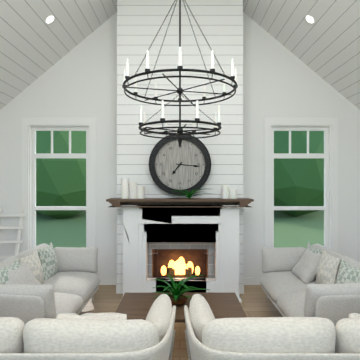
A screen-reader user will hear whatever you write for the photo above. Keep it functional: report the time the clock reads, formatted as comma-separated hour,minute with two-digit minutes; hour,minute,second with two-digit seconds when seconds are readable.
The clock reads 7,16
